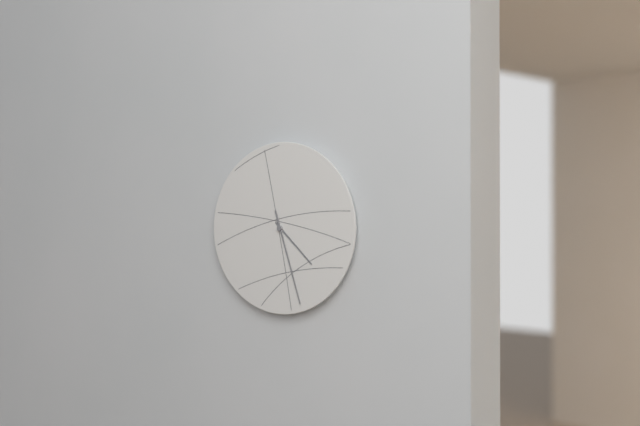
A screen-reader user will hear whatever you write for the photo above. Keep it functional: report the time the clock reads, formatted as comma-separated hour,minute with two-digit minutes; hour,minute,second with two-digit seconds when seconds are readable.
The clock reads 4,27
